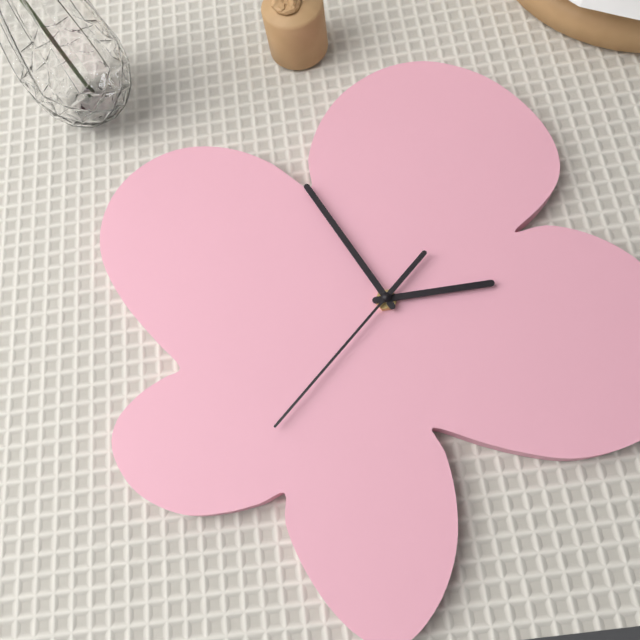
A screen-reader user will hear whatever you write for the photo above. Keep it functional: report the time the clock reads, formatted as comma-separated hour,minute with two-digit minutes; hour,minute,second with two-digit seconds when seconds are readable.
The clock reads 4,01,43
